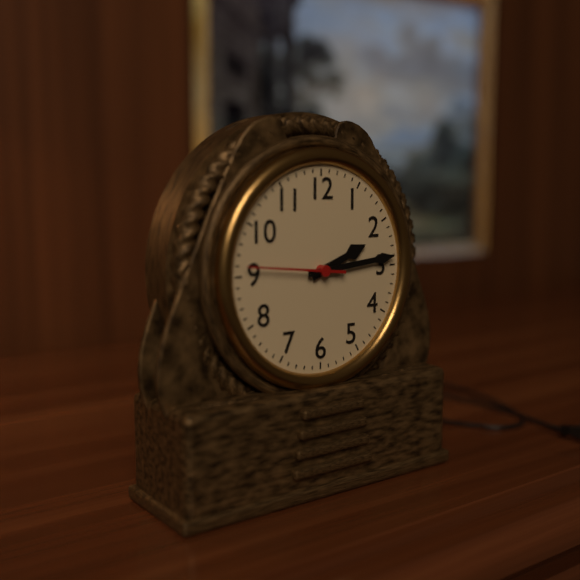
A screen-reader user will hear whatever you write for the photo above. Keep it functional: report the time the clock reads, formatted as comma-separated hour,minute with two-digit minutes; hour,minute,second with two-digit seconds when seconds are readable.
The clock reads 2,14,46
